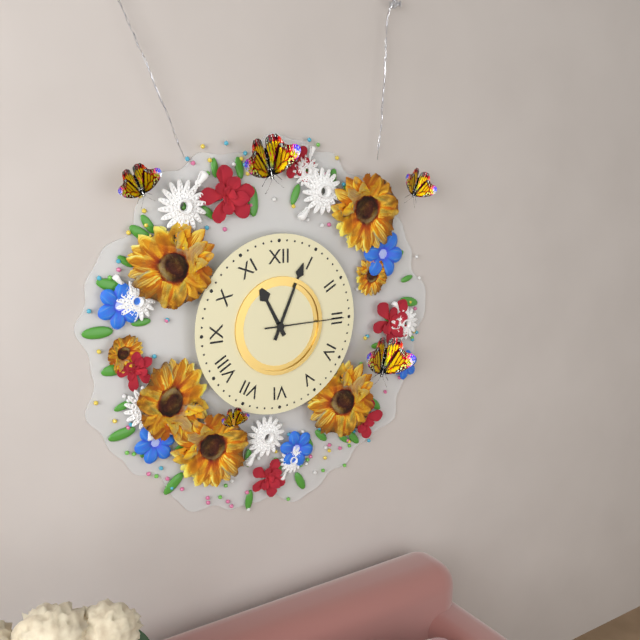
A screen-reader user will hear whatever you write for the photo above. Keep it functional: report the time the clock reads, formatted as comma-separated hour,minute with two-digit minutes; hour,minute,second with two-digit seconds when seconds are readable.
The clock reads 11,04,15
